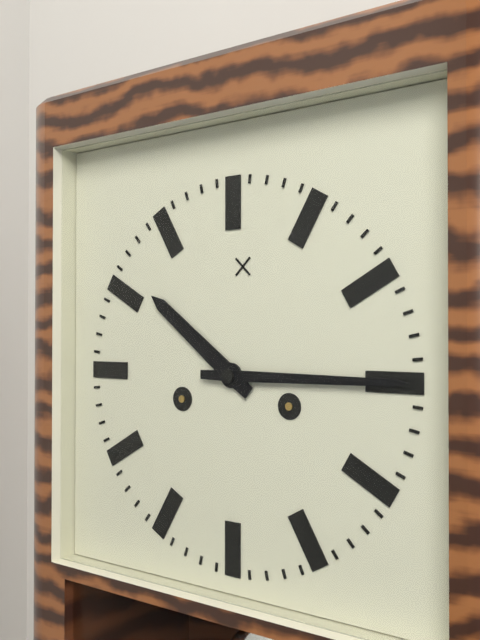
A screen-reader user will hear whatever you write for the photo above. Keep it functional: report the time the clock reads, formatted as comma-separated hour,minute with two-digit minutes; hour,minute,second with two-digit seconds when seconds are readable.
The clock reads 10,15
